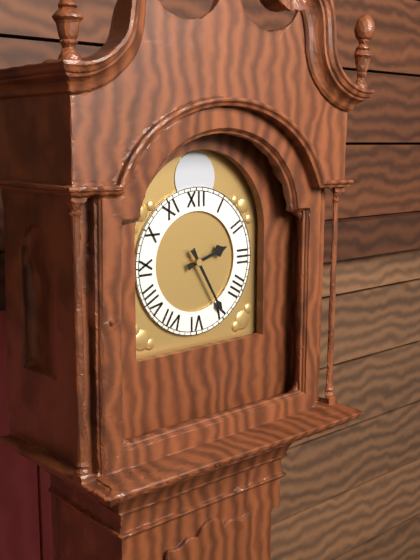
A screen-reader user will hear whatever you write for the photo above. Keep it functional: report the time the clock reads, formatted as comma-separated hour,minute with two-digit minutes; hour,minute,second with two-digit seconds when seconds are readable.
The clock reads 2,25
